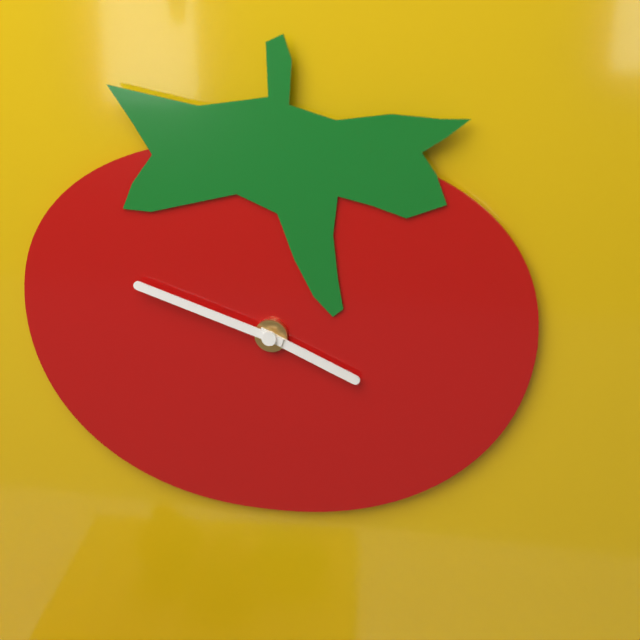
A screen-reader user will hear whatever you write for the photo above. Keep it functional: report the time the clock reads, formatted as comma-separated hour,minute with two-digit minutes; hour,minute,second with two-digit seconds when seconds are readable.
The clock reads 3,48
